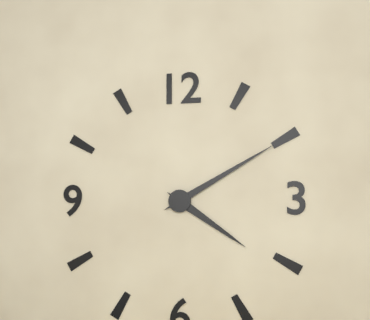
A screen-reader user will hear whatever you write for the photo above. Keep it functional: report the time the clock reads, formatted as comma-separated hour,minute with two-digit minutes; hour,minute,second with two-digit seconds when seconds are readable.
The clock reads 4,10
